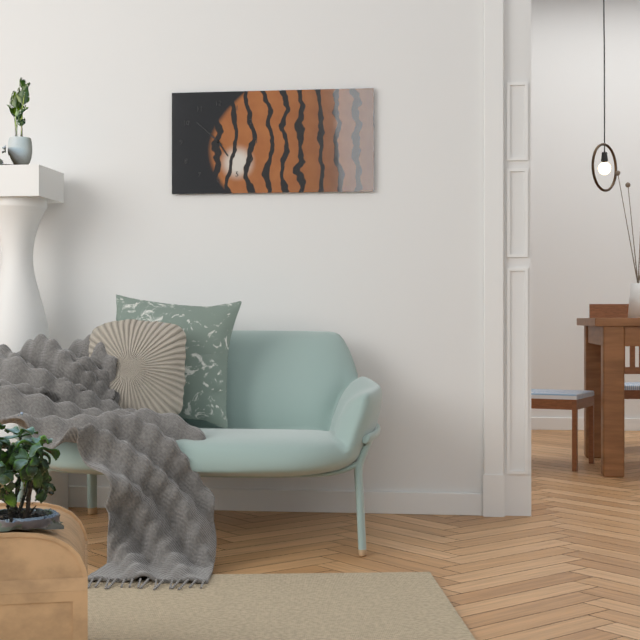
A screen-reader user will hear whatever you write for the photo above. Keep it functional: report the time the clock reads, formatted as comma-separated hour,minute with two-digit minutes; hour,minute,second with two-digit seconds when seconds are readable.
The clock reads 4,52
